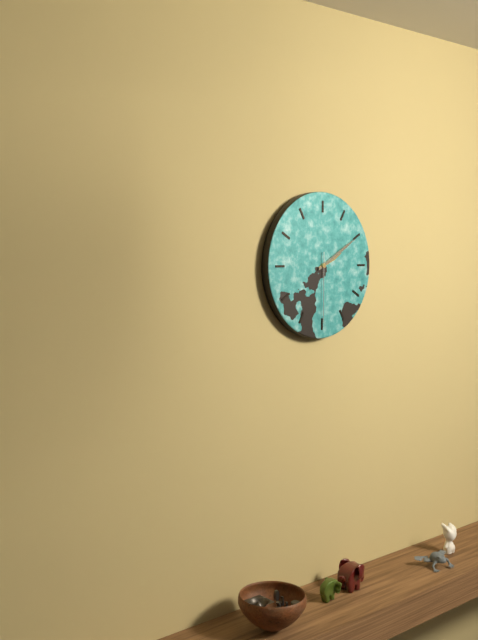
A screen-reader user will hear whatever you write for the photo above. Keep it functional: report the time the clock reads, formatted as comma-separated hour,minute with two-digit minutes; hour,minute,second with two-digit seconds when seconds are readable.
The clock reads 2,10,30
